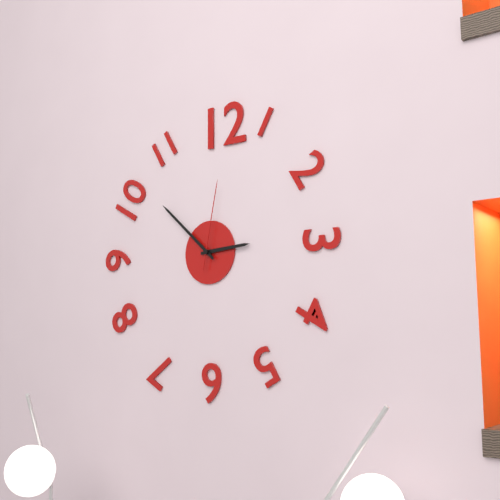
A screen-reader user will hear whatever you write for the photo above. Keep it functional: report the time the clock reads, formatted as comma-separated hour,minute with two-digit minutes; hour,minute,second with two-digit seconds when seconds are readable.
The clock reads 2,52,02
